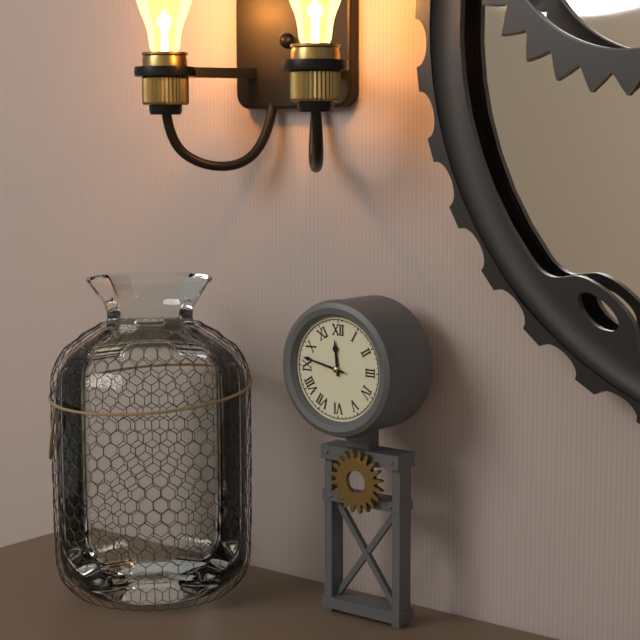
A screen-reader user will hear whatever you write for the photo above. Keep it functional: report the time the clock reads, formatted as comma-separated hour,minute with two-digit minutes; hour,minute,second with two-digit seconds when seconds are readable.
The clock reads 11,47
